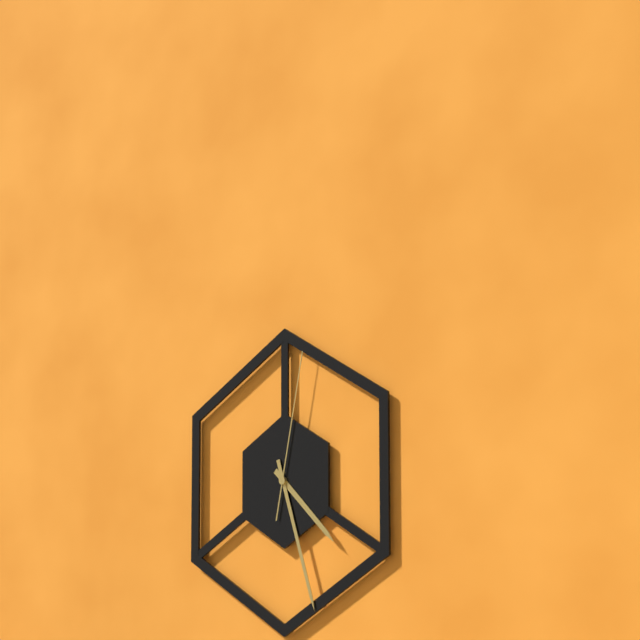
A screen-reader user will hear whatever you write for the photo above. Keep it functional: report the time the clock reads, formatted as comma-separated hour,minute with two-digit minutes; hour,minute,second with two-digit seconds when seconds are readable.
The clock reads 4,27,02
